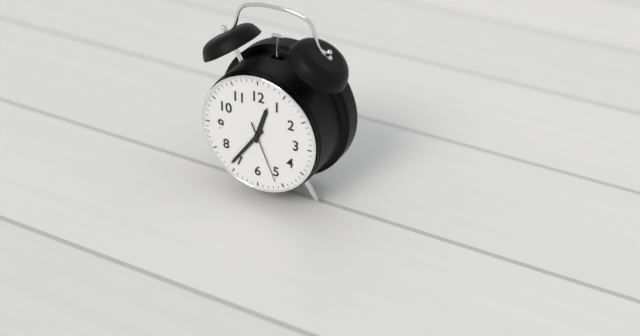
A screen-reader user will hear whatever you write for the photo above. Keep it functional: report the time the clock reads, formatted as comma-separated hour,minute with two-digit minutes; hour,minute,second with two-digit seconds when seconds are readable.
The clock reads 12,36,26
